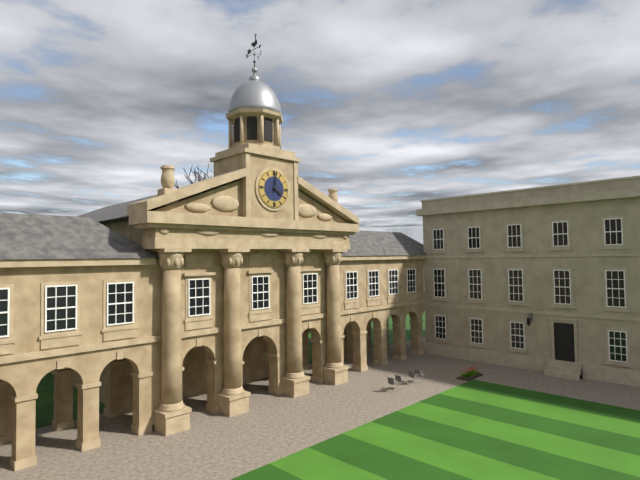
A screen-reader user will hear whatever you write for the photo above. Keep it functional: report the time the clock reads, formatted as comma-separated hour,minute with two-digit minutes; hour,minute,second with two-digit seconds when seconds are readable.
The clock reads 4,01
